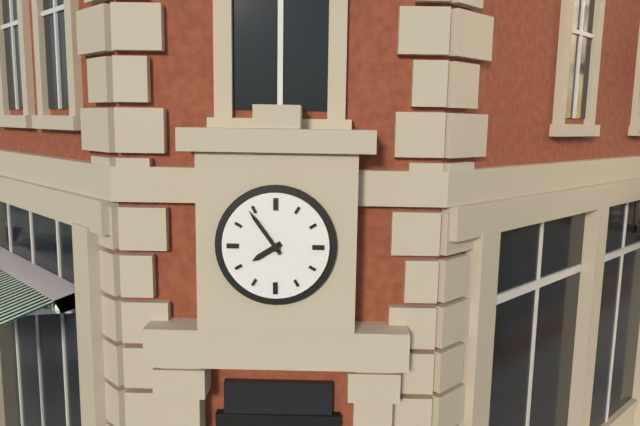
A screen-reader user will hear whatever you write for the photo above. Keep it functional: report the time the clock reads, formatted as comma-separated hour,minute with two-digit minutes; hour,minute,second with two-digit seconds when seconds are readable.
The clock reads 7,54
